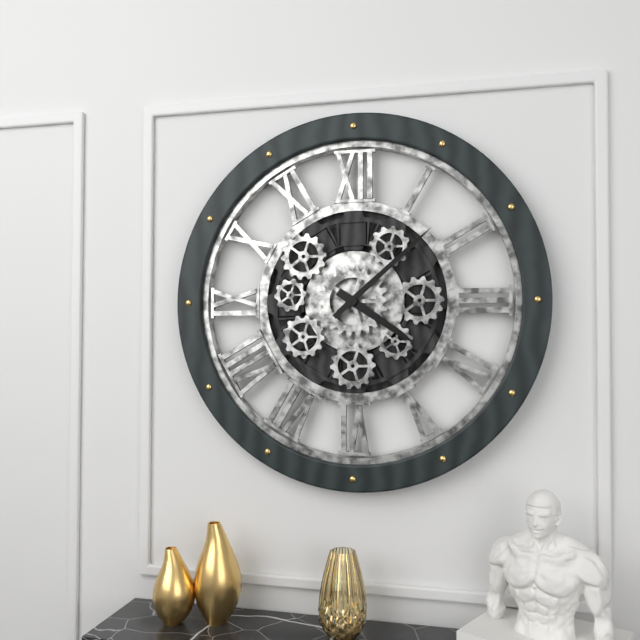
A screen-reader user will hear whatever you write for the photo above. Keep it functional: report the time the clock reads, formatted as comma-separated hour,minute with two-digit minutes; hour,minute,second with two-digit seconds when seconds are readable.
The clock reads 4,08
